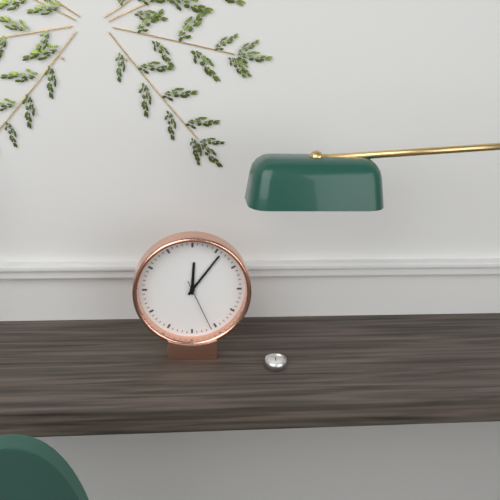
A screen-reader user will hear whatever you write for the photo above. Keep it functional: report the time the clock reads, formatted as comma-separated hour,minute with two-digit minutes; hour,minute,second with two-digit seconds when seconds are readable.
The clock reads 12,06,26
